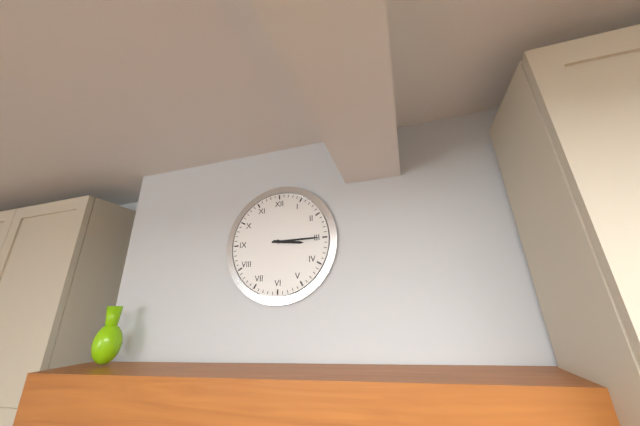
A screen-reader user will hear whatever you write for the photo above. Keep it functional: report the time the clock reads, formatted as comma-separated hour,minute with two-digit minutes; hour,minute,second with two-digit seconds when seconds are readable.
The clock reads 3,15
